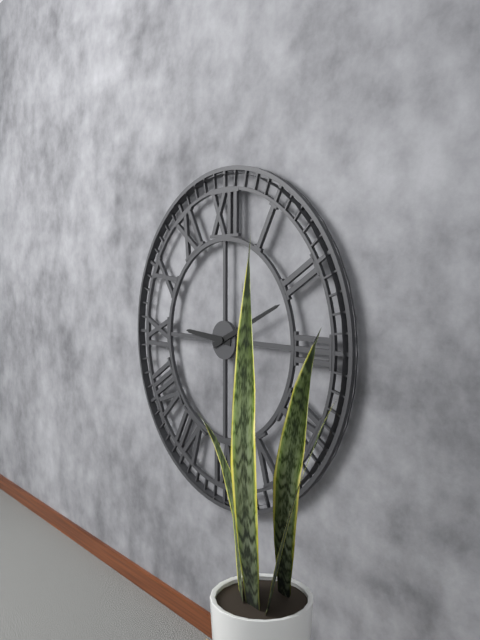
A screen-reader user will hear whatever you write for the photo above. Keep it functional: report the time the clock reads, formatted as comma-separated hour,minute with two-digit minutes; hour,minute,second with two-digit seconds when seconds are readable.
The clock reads 9,11
